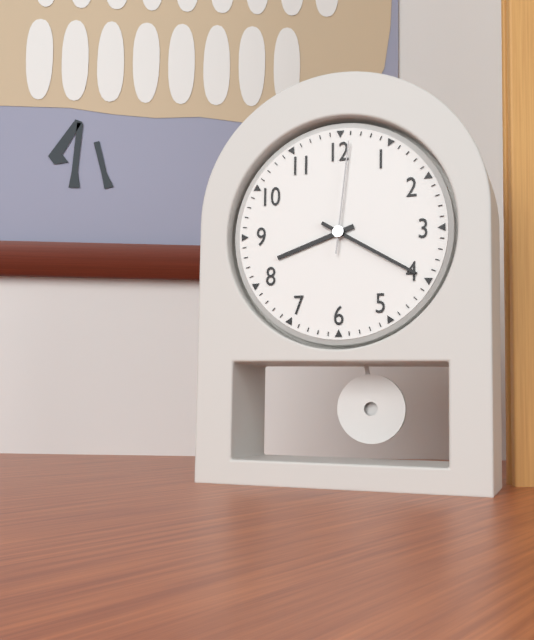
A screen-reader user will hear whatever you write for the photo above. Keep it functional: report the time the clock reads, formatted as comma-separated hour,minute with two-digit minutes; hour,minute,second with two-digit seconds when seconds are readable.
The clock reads 8,20,01
